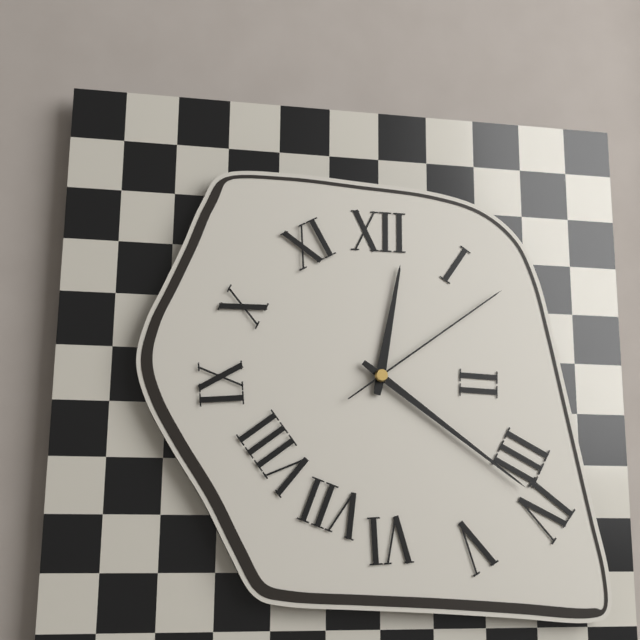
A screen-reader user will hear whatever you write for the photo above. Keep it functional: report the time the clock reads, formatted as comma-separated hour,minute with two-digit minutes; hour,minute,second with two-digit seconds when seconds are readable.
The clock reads 12,21,09
